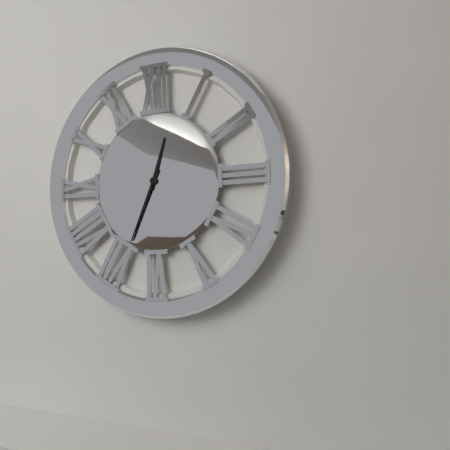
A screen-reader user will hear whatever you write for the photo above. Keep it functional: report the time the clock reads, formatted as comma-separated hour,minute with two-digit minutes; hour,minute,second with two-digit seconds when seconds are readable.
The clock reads 12,34
